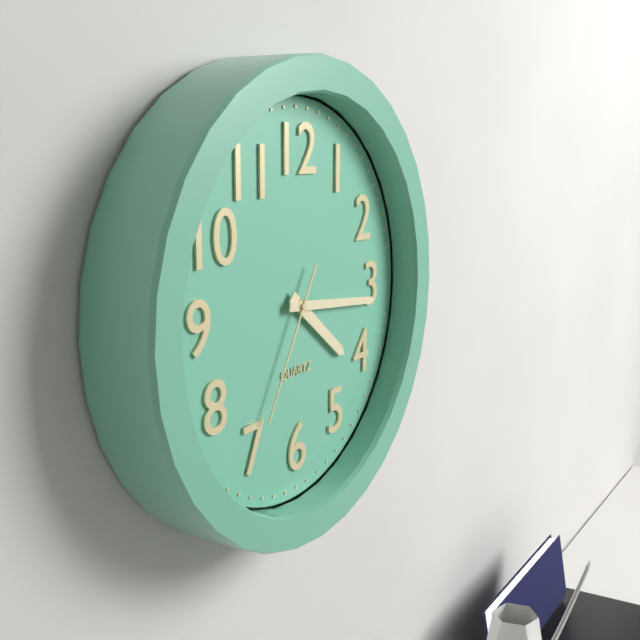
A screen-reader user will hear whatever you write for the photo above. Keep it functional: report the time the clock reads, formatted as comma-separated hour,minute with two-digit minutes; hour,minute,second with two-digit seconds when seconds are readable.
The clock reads 4,16,35
